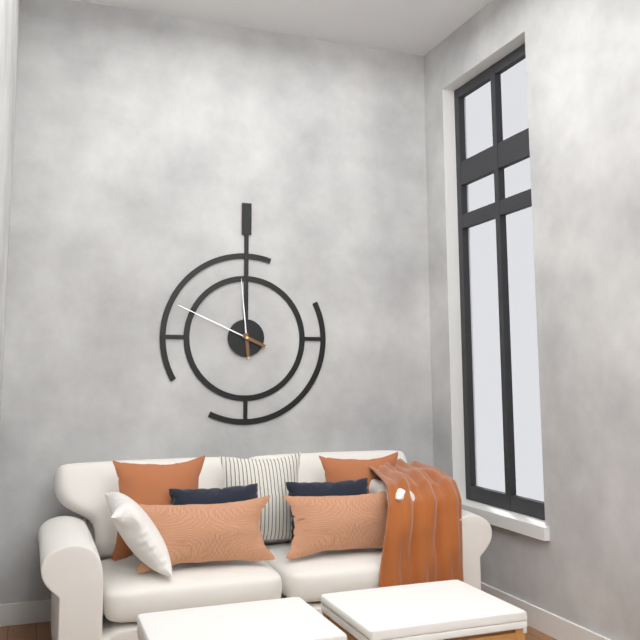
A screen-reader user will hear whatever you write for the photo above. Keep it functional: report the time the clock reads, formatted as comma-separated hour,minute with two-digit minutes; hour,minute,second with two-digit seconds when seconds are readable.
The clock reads 11,49
